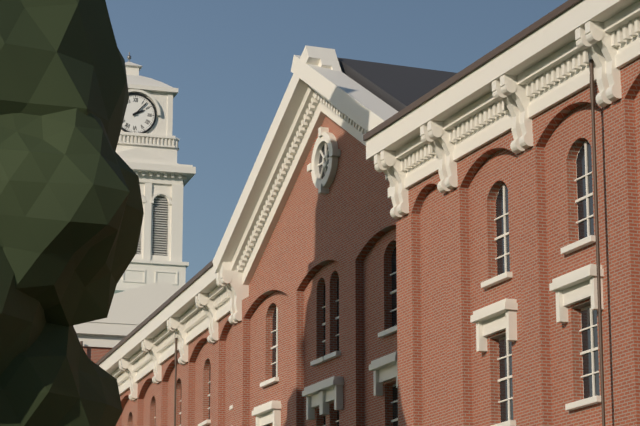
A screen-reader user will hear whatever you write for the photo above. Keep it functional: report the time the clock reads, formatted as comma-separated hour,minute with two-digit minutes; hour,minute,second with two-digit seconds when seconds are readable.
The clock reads 2,07
